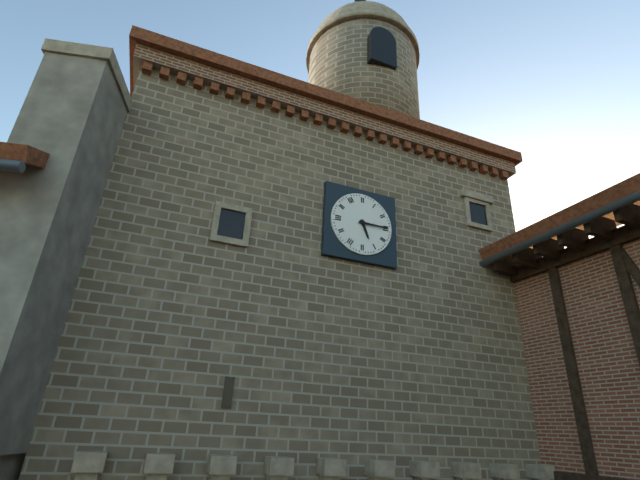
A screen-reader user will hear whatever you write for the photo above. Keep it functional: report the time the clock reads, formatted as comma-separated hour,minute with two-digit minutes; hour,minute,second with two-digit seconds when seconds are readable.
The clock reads 5,15
